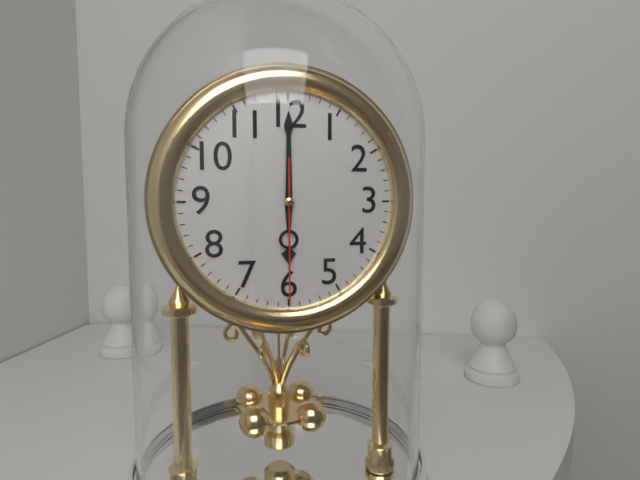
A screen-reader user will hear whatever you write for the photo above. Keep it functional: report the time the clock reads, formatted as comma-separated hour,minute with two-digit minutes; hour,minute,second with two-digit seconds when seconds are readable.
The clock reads 6,00,30
